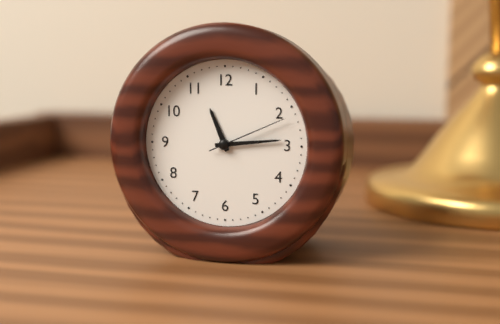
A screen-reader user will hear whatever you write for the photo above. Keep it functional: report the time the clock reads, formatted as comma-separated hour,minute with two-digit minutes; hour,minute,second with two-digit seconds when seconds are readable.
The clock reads 11,14,11
